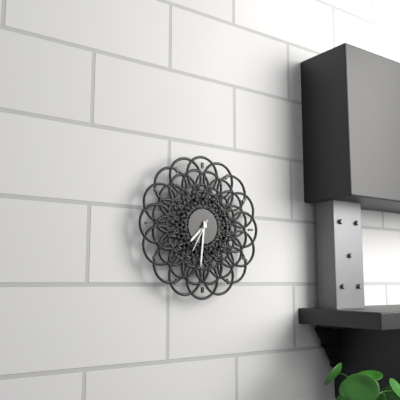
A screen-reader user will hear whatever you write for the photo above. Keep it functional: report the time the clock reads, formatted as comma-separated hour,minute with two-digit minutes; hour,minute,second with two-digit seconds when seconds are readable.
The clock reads 7,31
